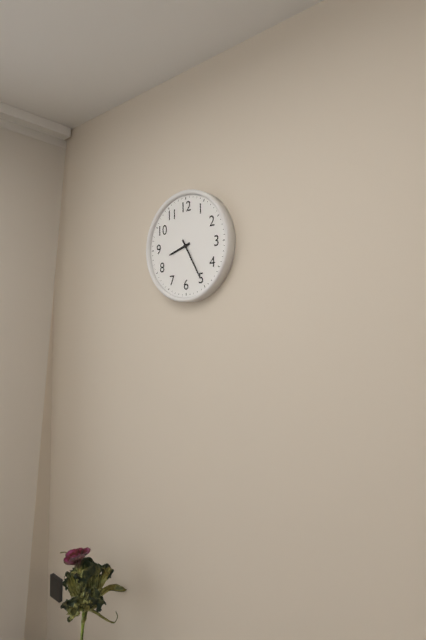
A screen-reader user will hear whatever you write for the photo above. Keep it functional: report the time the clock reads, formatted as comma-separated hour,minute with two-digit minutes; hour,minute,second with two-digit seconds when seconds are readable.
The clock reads 8,25
